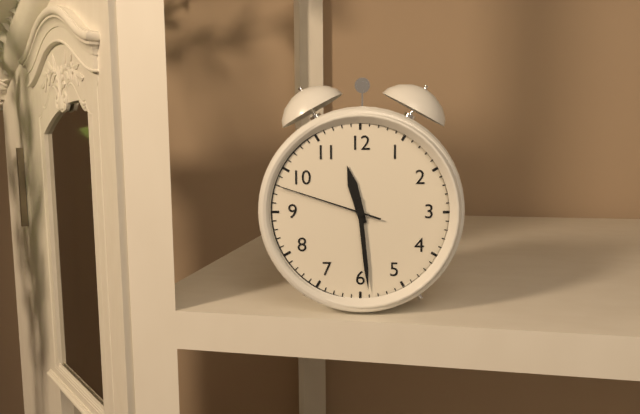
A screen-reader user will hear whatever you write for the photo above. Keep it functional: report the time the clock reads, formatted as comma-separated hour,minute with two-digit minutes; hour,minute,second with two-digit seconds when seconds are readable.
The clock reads 11,29,48
